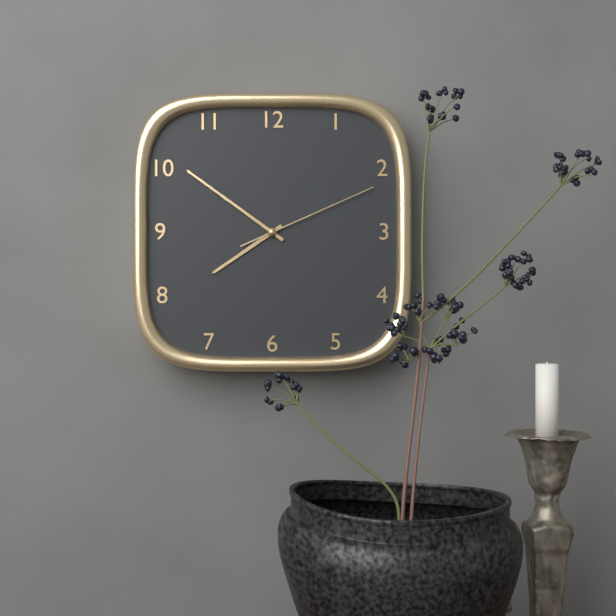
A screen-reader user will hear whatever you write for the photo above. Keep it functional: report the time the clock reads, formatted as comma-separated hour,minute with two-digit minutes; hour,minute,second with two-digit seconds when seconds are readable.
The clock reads 7,51,11
